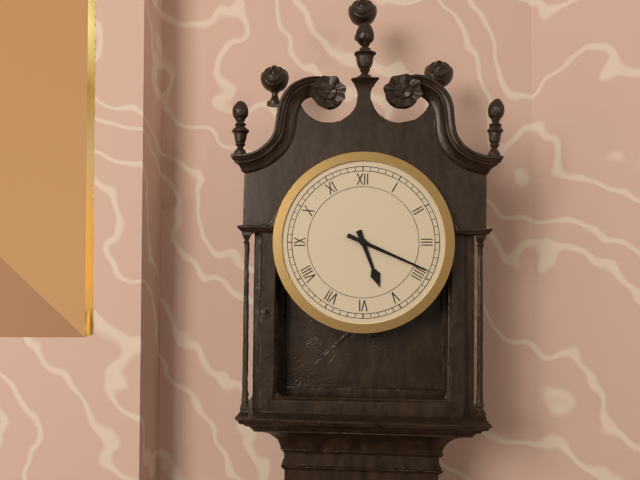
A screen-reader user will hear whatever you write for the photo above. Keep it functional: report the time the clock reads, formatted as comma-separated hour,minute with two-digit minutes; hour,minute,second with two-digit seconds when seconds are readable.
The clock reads 5,19
